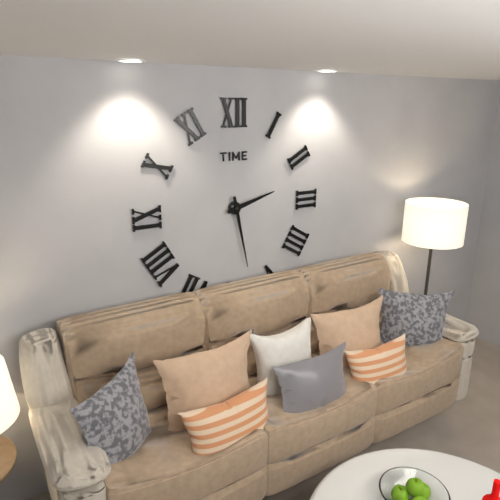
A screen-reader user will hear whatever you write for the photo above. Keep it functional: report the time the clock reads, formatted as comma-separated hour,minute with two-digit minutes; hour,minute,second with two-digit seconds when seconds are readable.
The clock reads 2,28
